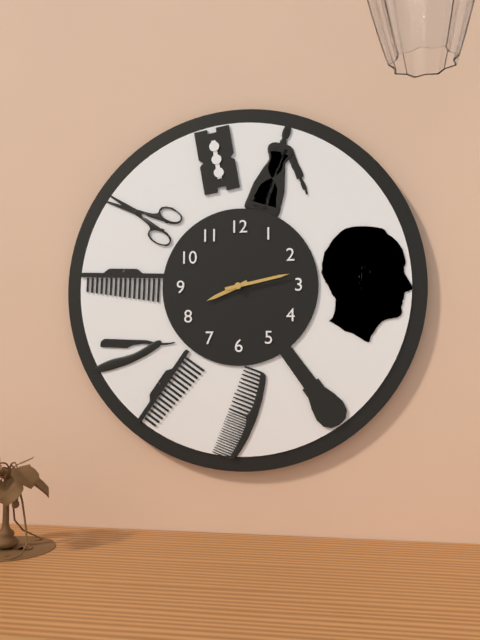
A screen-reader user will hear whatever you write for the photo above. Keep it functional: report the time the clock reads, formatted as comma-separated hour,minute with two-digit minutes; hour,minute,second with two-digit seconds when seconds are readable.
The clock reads 8,13
